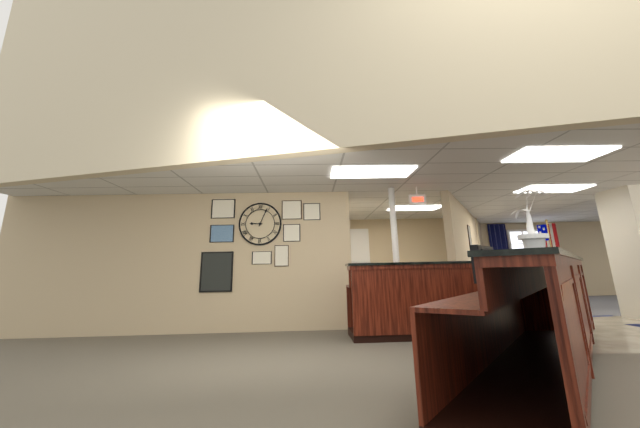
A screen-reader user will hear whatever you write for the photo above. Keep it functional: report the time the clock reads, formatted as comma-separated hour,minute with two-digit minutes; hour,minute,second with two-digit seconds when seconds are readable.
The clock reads 9,04
